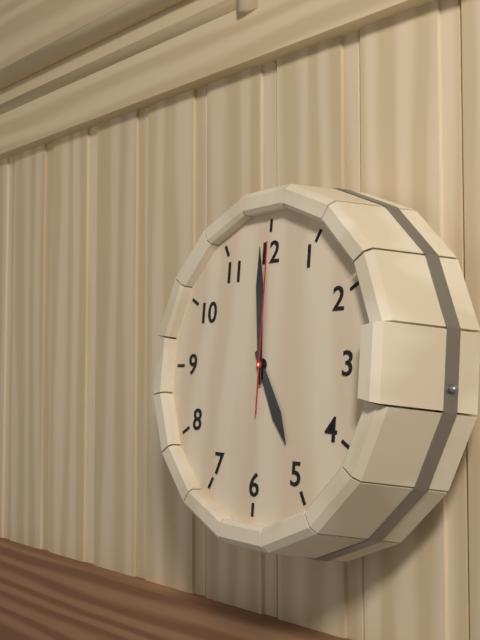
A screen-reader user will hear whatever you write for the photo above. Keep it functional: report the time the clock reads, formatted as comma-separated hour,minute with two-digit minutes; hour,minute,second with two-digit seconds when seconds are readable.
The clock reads 4,59,00
